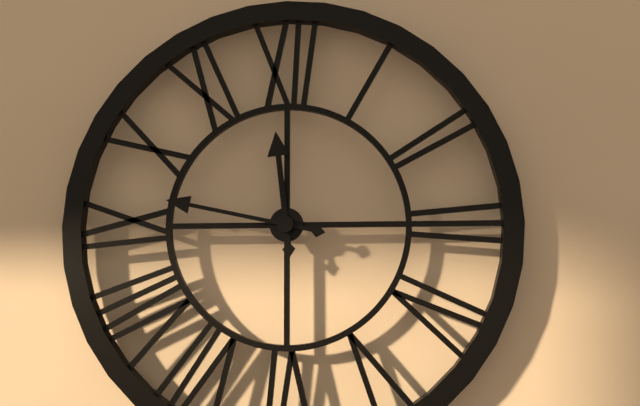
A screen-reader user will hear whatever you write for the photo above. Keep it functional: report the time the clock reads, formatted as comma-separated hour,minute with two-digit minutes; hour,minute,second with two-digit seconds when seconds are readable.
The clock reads 11,47
